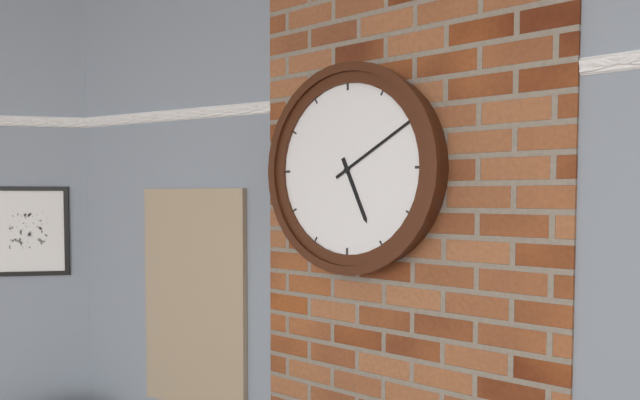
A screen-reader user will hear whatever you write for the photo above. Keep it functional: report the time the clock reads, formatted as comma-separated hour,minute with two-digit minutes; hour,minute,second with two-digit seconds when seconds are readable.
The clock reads 5,10
